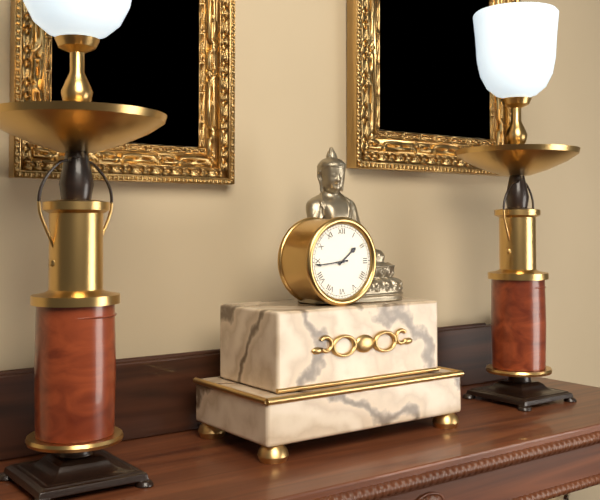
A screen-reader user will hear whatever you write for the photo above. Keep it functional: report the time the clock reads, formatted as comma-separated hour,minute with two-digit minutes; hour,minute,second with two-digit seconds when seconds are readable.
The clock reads 1,44
